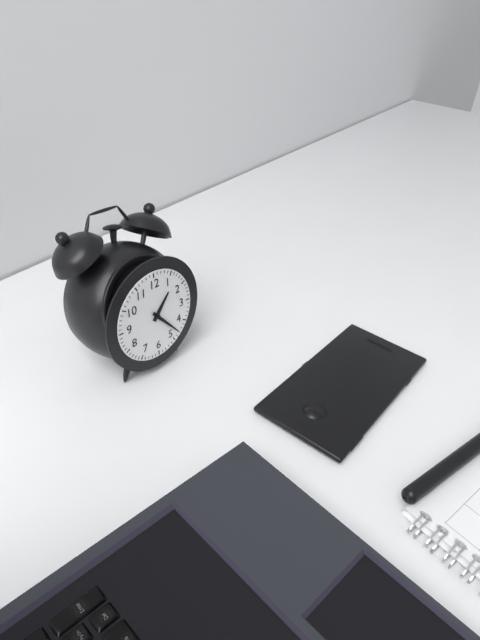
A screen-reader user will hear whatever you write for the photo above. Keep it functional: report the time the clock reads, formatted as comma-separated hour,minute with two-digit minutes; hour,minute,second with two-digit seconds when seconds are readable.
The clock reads 1,23
